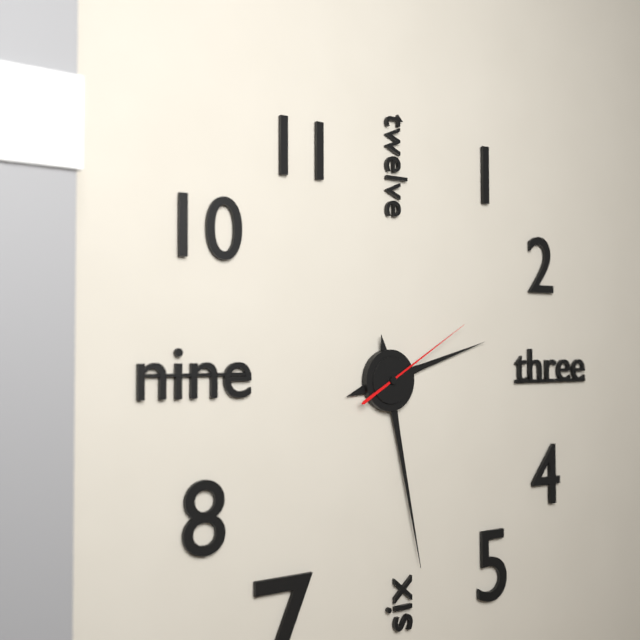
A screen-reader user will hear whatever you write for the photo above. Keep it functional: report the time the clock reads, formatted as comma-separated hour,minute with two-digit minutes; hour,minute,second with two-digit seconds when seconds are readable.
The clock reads 2,28,10
